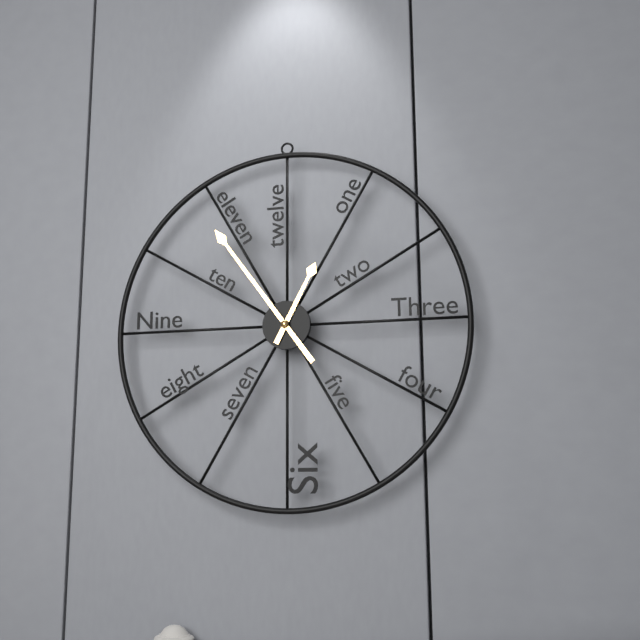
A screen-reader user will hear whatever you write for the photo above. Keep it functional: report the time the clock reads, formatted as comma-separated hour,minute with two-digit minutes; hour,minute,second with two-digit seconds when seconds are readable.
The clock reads 12,54
